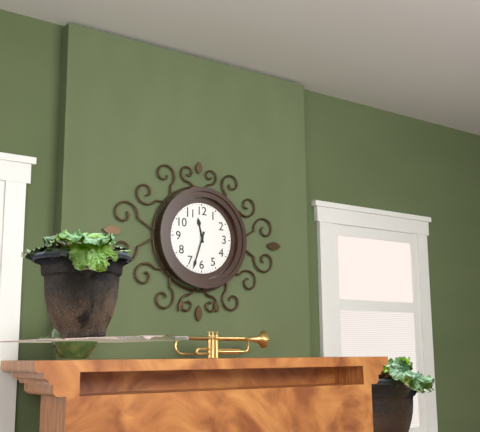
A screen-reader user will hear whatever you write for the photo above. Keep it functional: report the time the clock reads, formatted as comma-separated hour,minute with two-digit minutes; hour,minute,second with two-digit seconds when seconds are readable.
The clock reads 11,33
